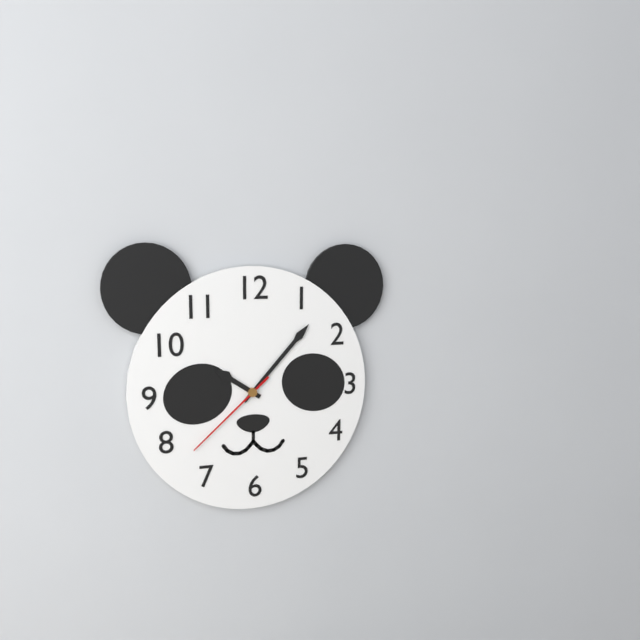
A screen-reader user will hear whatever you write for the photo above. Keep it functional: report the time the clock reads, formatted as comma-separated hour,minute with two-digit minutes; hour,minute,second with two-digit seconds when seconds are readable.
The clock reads 10,07,38
